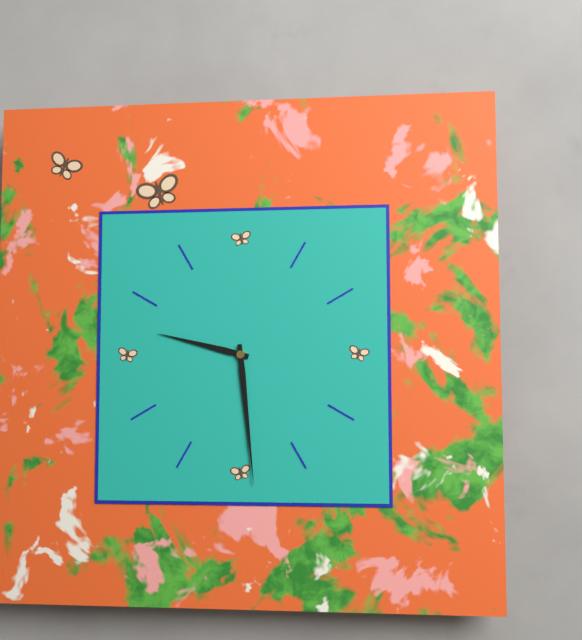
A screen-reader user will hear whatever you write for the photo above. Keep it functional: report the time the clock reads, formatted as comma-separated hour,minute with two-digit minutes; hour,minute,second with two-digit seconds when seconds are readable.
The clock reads 9,29
